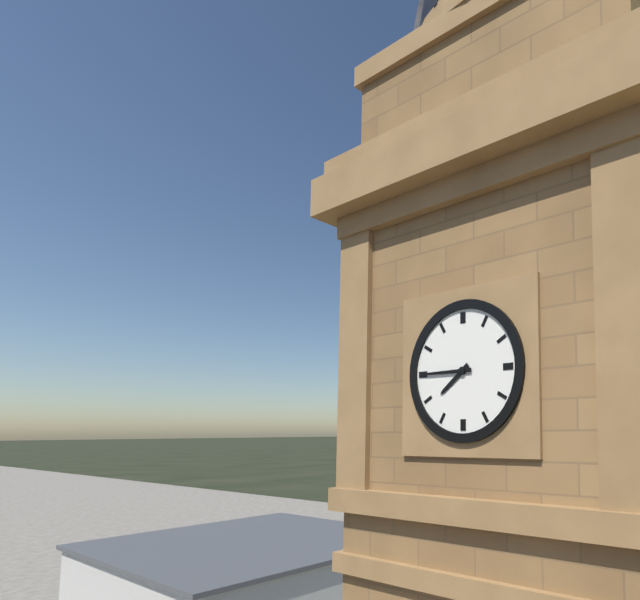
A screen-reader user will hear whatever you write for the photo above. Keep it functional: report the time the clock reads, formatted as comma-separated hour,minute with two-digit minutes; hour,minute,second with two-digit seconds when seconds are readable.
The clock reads 7,45
